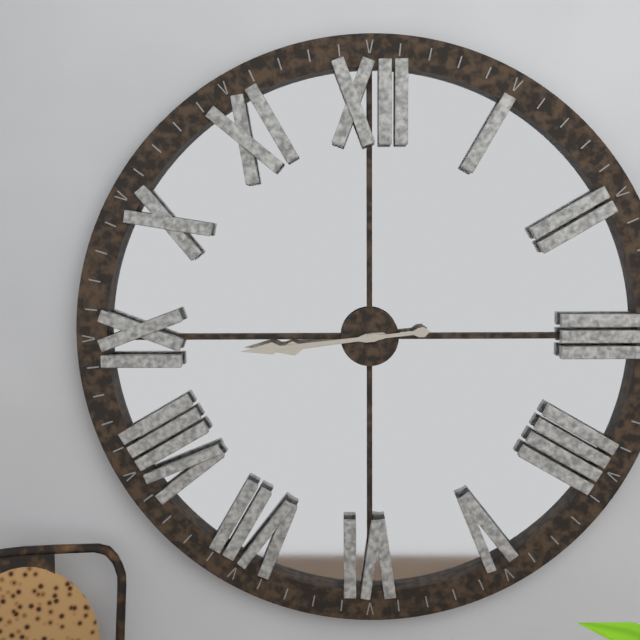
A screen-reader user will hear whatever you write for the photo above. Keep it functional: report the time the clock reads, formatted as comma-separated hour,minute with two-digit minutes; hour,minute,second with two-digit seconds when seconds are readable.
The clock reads 8,44
